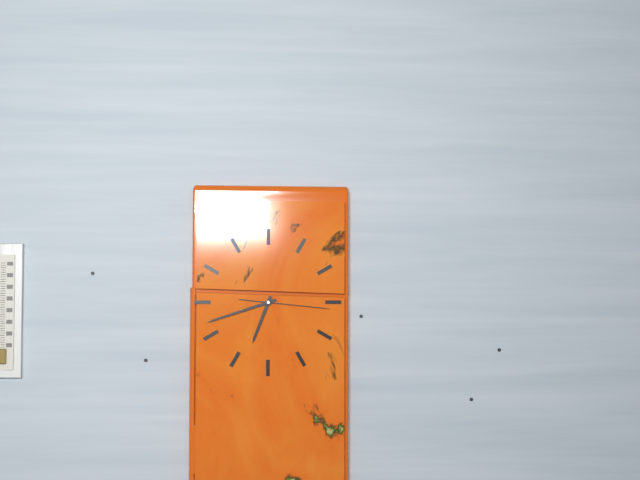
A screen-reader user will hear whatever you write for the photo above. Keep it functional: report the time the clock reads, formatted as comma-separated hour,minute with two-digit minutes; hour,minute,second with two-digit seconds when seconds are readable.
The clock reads 6,42,16
